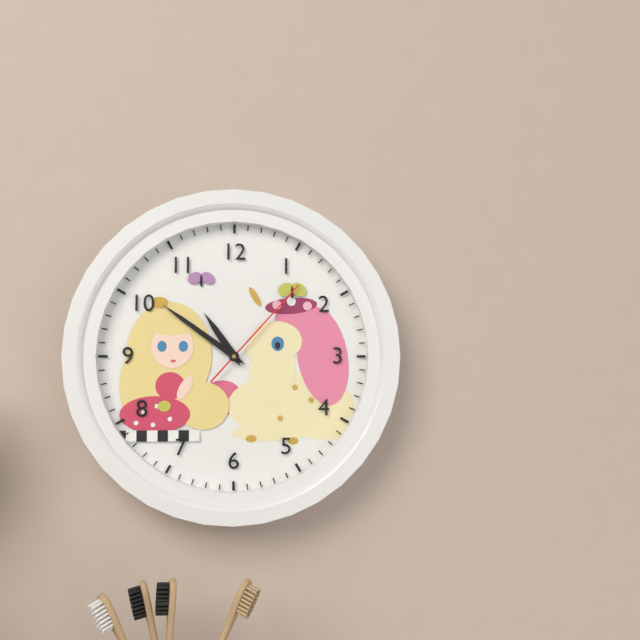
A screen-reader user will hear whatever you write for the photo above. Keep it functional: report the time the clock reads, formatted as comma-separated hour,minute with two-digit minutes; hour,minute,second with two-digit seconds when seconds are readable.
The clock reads 10,51,07
